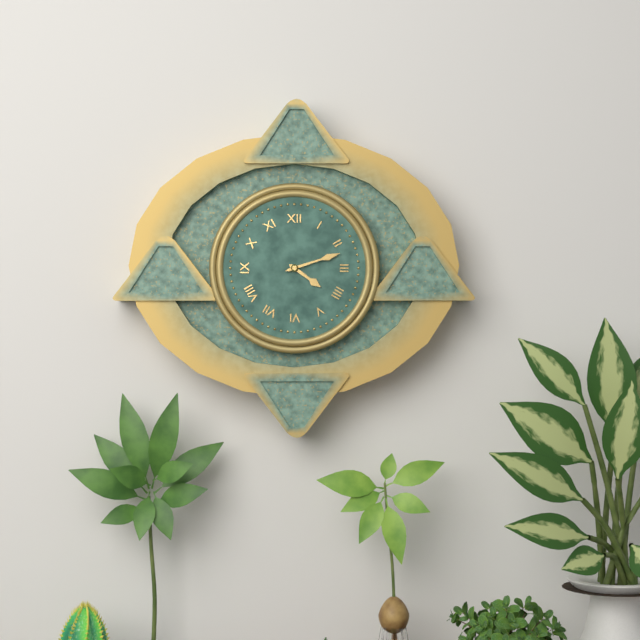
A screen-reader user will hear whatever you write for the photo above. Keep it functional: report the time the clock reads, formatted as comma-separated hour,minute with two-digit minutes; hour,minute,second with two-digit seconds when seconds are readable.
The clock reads 4,12
